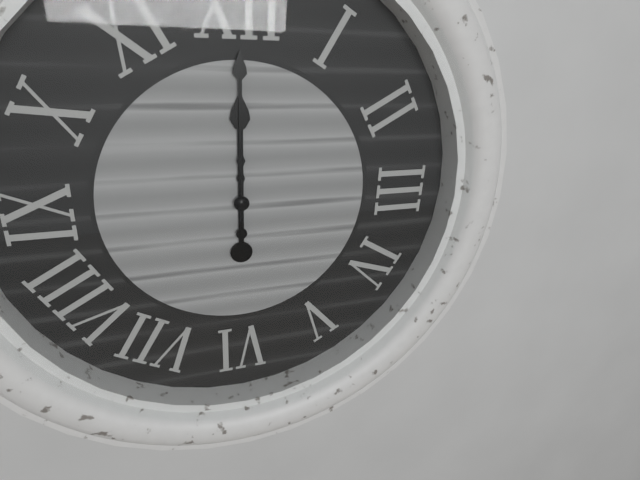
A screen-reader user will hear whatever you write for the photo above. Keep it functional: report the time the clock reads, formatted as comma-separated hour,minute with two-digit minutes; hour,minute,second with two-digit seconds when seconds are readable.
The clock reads 12,00
